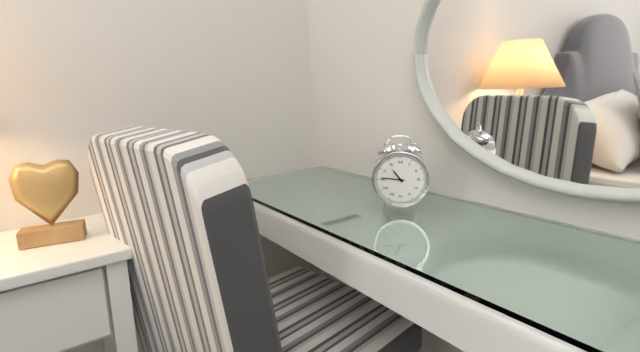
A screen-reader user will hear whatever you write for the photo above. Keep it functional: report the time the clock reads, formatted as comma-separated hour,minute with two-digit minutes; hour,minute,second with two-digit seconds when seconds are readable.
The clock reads 10,46
